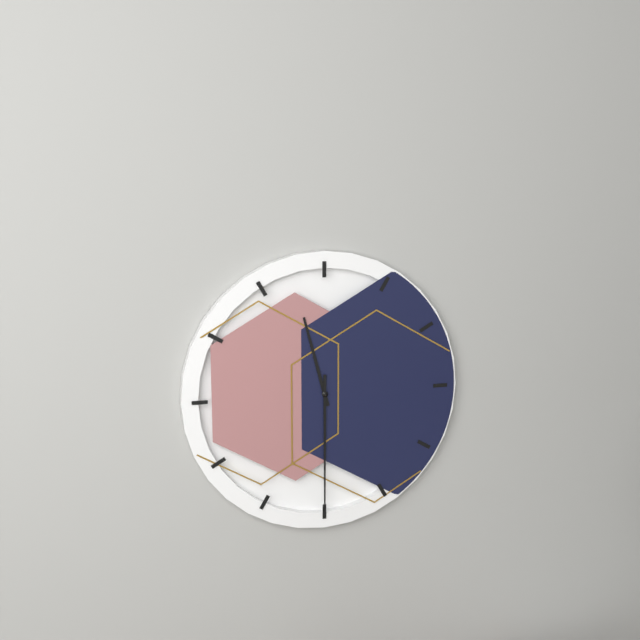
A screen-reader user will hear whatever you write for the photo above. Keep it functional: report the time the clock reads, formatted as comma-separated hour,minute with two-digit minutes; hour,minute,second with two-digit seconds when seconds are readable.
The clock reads 11,30
